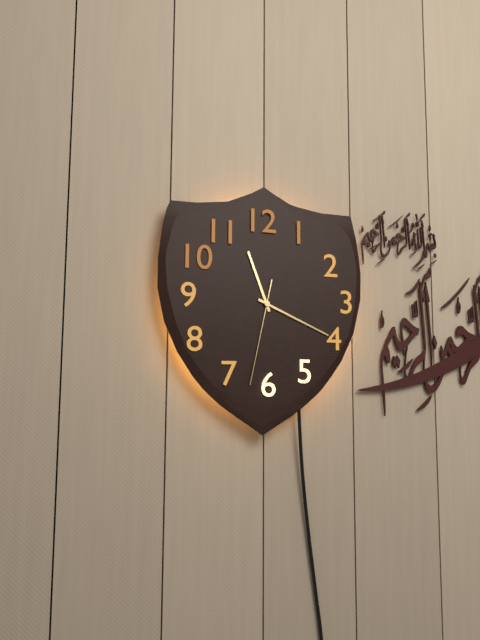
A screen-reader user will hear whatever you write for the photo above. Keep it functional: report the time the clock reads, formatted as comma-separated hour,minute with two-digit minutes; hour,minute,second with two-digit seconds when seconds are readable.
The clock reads 11,19,32
